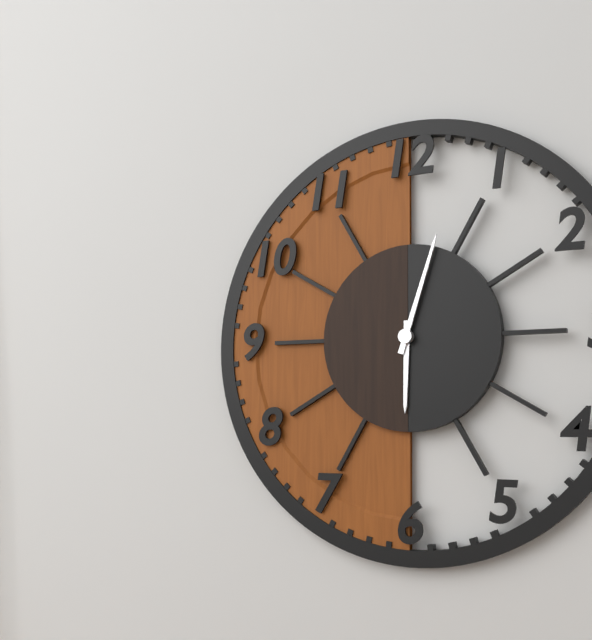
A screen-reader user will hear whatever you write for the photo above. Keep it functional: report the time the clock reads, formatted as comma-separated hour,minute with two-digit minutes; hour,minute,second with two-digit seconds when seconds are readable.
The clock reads 6,03
